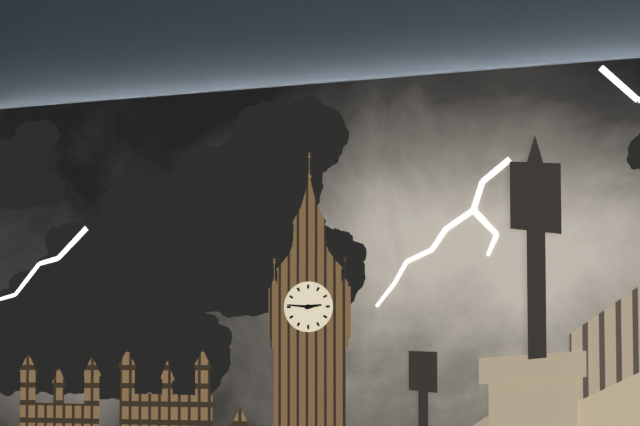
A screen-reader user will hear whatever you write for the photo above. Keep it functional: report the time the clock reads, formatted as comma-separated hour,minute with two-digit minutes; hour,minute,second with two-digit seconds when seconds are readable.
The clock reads 2,46
